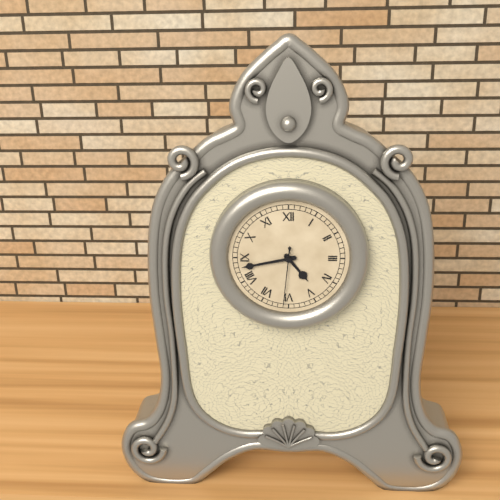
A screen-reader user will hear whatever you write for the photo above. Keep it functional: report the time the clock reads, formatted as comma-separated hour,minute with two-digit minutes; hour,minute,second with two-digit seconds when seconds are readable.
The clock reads 4,43,31
